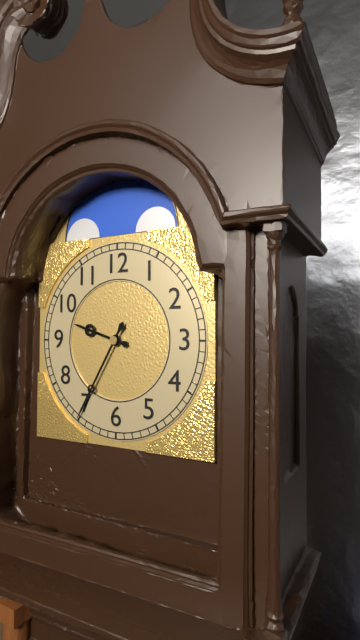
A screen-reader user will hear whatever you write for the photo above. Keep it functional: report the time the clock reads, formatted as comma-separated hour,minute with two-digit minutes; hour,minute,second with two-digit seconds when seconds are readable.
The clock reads 9,35
